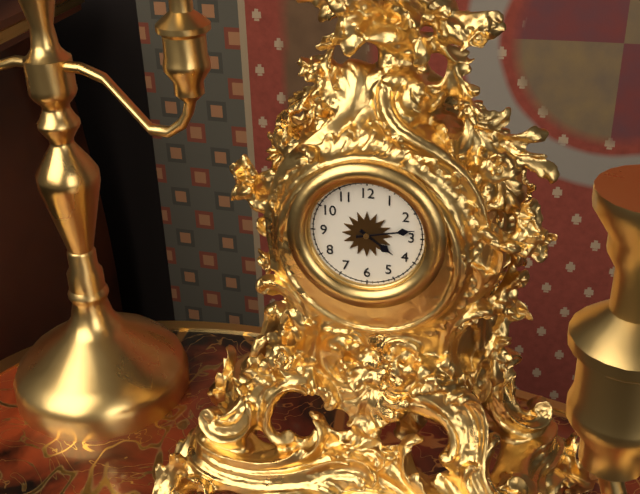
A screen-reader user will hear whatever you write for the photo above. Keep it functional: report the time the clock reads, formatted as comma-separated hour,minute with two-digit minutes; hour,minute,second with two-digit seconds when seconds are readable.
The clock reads 4,13
